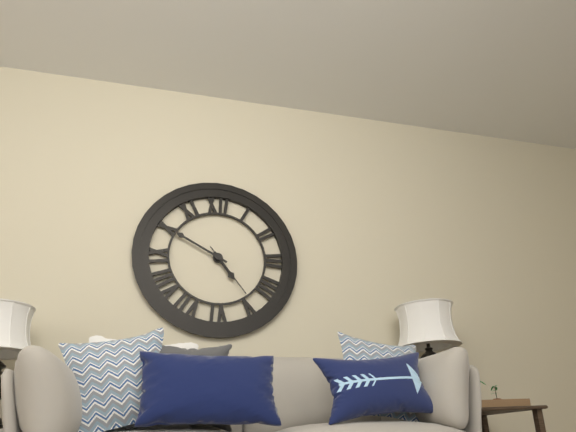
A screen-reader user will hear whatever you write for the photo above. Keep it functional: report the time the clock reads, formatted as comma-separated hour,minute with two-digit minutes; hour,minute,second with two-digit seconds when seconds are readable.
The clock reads 4,50,24
